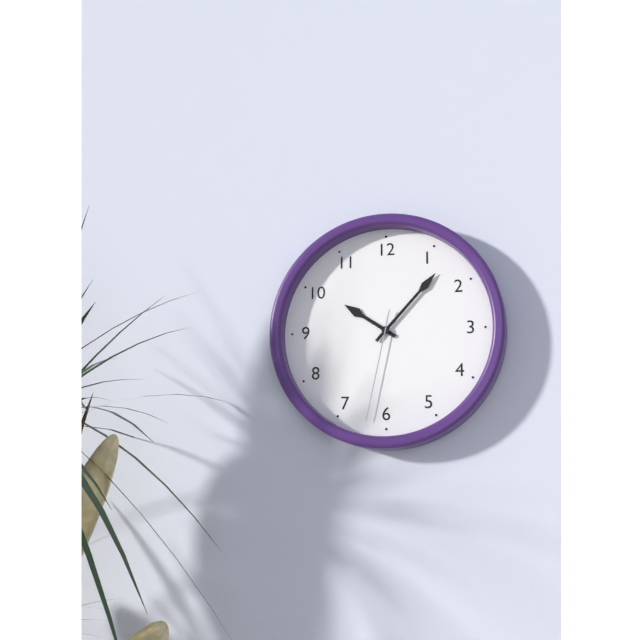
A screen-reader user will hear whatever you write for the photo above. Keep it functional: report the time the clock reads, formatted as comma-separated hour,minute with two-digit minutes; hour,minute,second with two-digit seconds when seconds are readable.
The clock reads 10,07,32
